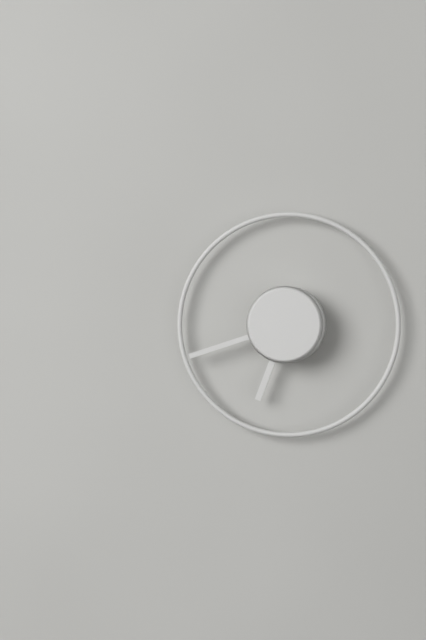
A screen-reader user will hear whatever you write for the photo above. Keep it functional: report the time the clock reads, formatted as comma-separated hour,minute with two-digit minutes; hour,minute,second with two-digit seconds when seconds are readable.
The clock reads 6,42
